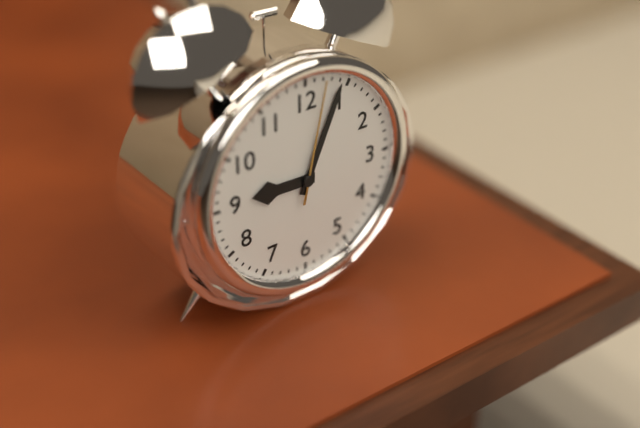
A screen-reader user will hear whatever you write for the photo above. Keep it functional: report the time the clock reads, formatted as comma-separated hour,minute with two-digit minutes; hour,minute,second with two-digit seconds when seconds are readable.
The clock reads 9,04,02
